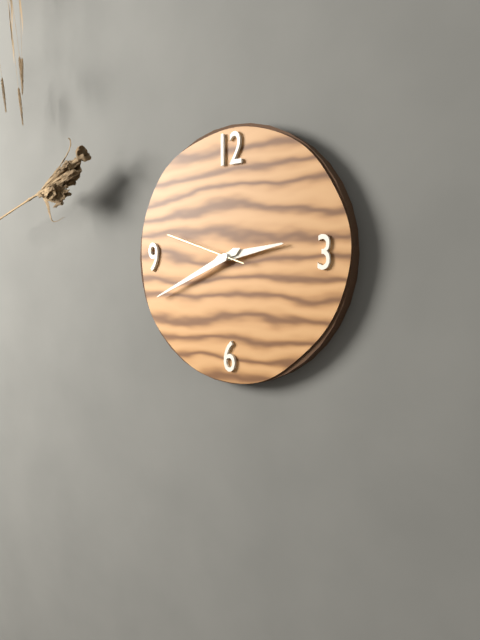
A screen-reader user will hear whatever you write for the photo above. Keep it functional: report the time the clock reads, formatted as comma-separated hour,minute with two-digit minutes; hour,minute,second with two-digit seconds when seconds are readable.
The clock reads 2,41,48
